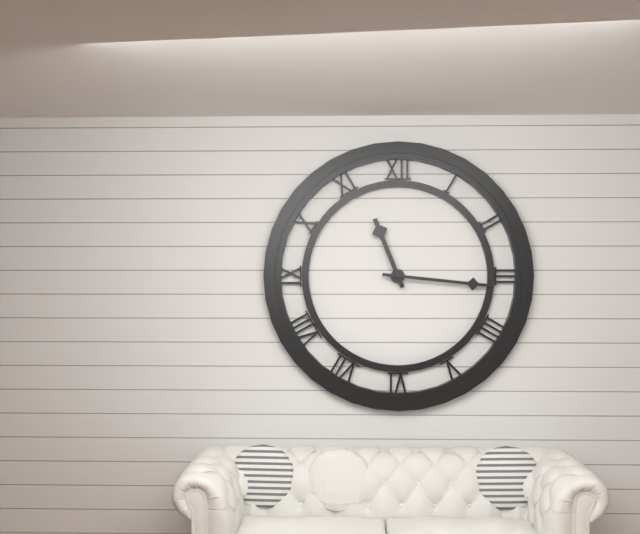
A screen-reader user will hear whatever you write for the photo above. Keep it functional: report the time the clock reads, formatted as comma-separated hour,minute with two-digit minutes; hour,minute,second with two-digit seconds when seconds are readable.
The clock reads 11,16
